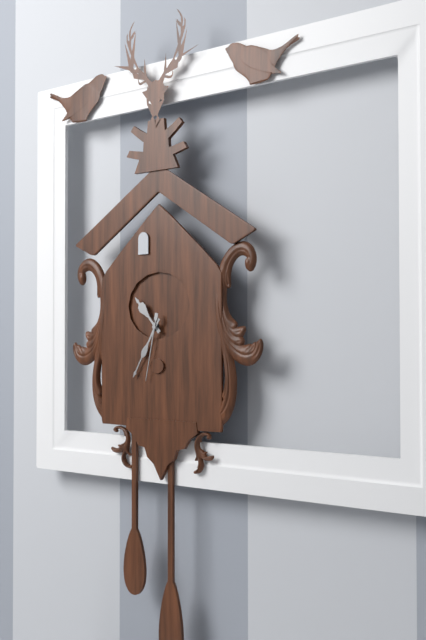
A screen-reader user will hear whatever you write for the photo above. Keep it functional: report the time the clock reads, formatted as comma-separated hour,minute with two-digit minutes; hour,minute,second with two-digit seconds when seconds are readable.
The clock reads 10,35,32
